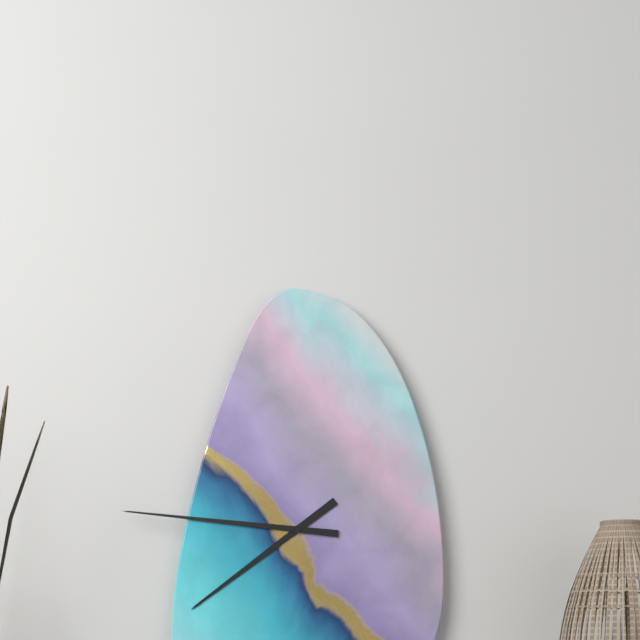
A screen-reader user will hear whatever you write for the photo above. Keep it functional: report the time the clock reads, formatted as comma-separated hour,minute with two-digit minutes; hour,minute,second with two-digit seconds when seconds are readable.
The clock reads 7,46
